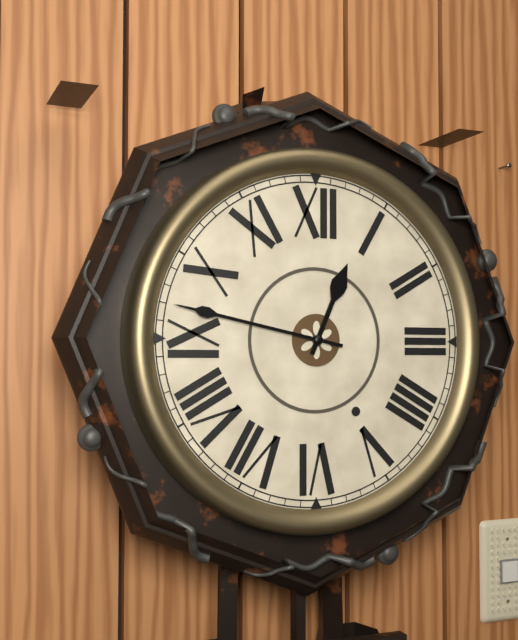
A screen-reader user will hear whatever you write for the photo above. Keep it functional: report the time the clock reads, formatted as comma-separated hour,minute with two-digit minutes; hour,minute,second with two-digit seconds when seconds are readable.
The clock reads 12,47
